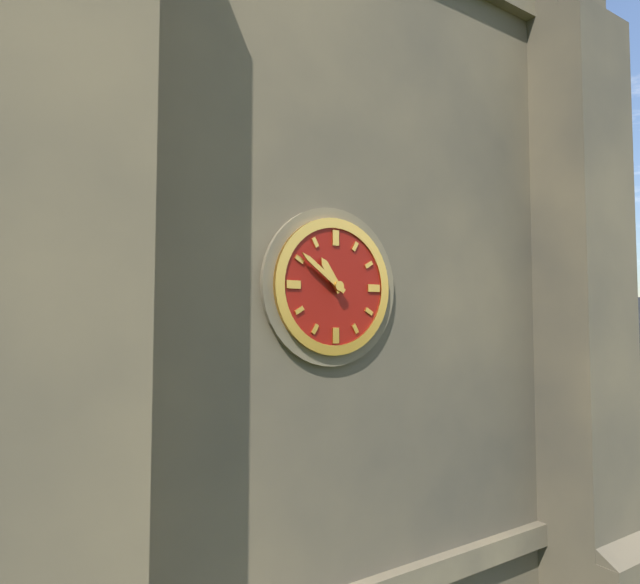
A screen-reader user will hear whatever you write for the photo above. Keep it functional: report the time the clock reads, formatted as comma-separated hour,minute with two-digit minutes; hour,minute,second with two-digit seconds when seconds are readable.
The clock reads 10,51
